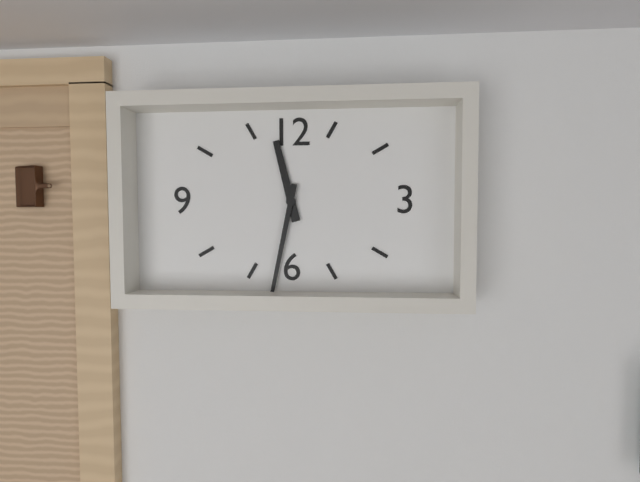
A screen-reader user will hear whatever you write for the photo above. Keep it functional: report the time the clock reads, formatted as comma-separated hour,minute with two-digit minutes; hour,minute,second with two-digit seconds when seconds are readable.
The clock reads 11,32
